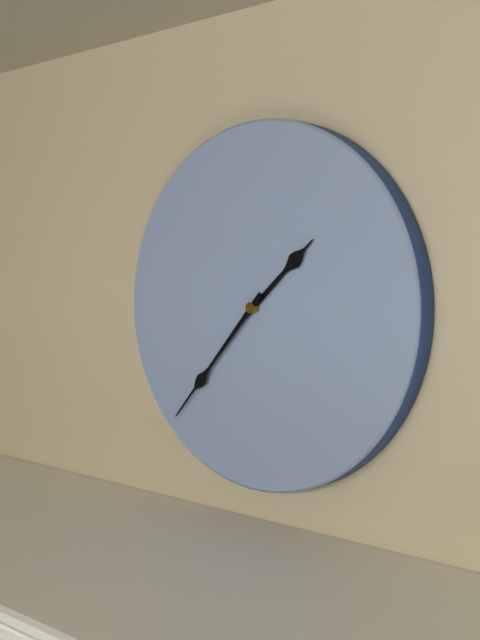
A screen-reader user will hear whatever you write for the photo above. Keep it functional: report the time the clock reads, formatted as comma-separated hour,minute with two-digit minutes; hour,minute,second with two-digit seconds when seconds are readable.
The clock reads 1,37
